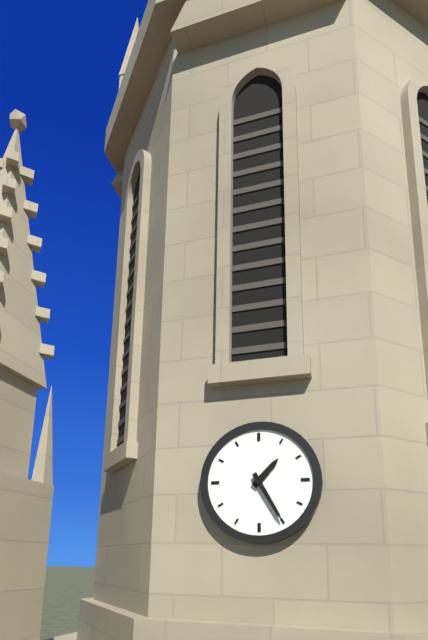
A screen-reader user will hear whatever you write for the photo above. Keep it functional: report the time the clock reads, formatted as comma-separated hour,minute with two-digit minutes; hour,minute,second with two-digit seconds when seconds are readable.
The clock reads 1,25
